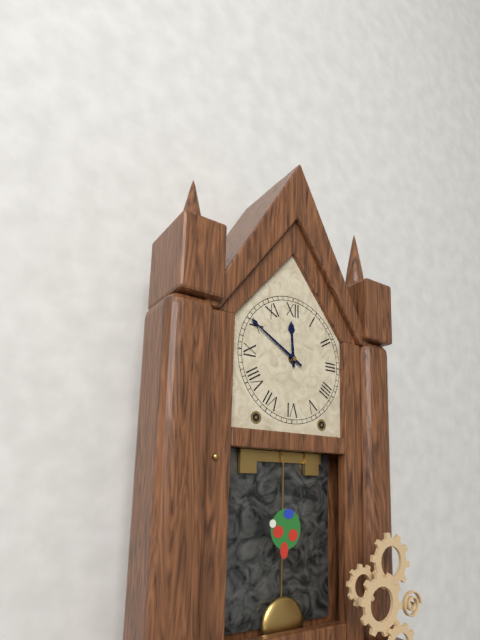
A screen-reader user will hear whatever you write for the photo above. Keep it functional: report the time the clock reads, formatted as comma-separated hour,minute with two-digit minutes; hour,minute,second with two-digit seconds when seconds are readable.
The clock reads 11,50
